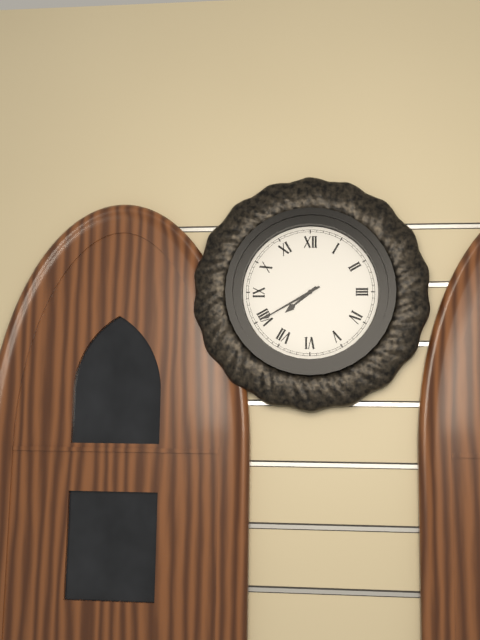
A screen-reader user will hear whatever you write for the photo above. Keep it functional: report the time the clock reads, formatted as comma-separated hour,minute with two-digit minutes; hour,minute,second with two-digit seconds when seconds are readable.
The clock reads 7,40
